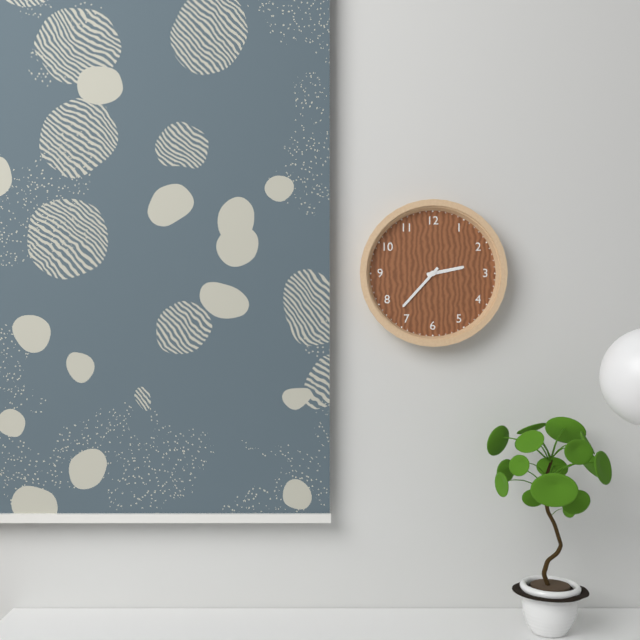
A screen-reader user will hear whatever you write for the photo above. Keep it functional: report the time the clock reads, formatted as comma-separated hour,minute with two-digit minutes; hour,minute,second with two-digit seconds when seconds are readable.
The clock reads 2,37
